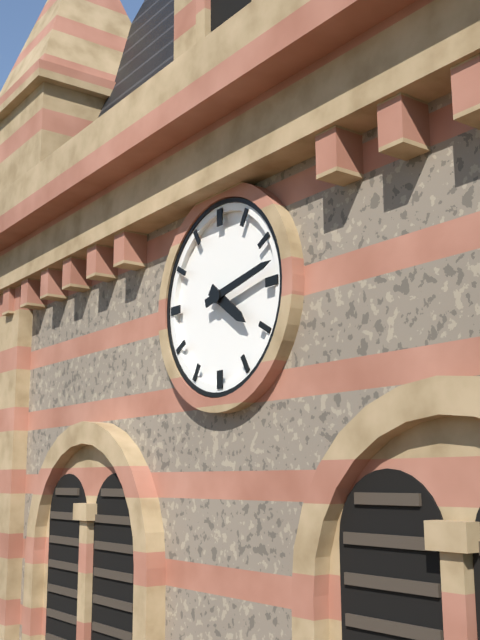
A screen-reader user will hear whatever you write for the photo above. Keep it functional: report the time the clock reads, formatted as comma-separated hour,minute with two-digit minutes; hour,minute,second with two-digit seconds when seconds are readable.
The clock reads 4,13
